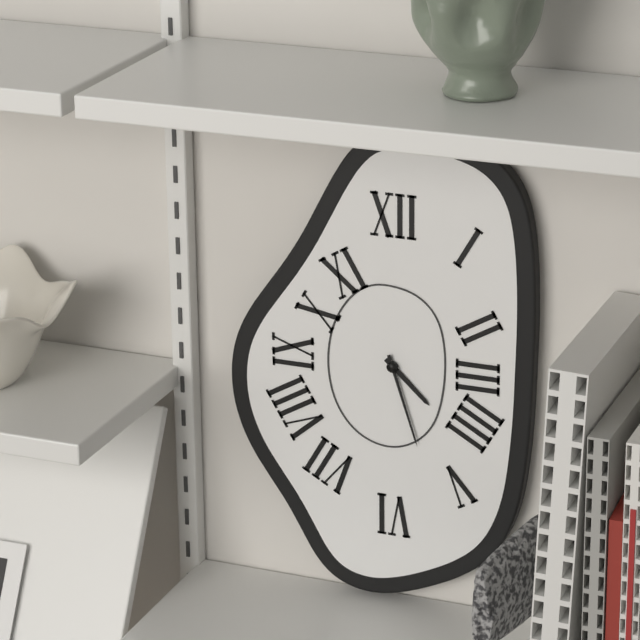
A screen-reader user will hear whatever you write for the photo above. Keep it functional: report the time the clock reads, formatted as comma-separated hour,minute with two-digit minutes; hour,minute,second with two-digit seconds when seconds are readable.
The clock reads 4,27
